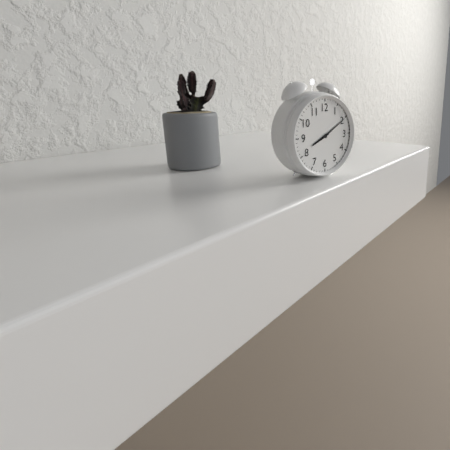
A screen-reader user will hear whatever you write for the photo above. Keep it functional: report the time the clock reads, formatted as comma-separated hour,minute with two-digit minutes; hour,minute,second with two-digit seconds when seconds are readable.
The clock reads 8,10
